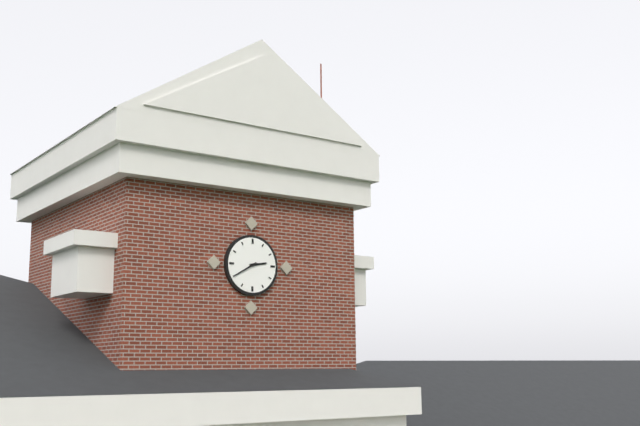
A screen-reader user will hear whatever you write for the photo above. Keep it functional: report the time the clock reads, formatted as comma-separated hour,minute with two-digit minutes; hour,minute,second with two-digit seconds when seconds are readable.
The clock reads 2,40
